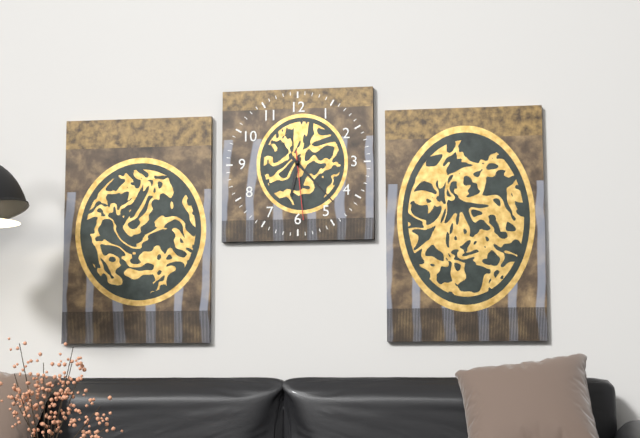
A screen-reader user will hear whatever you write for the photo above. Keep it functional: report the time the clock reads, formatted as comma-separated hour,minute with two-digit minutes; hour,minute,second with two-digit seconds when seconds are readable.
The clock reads 6,23,29
